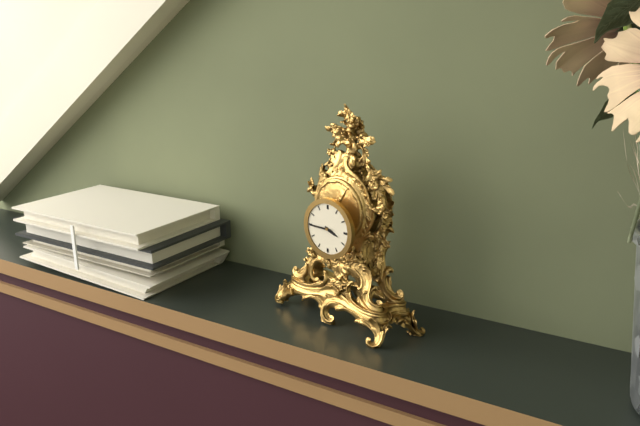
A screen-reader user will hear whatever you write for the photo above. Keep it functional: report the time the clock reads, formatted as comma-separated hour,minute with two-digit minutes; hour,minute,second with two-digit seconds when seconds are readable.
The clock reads 3,45
